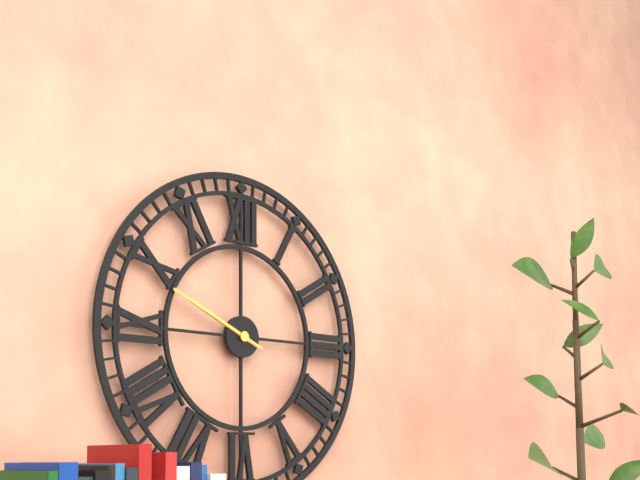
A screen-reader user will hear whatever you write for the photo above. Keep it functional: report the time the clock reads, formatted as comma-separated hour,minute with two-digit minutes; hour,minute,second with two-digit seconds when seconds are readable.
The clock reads 9,49
